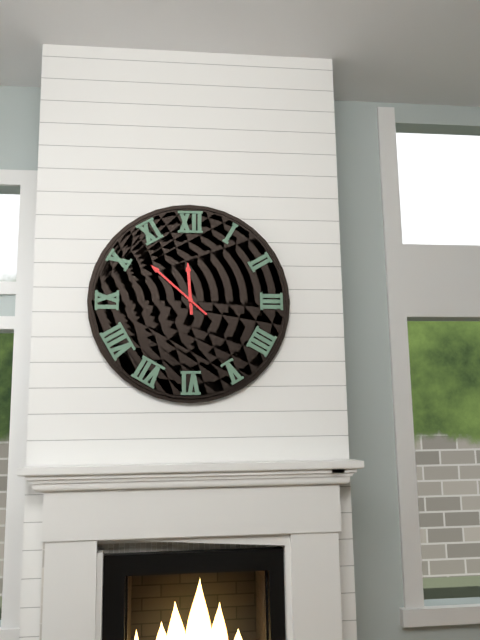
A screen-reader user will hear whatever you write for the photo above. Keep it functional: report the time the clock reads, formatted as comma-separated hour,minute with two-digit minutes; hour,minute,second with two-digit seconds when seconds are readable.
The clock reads 11,52
